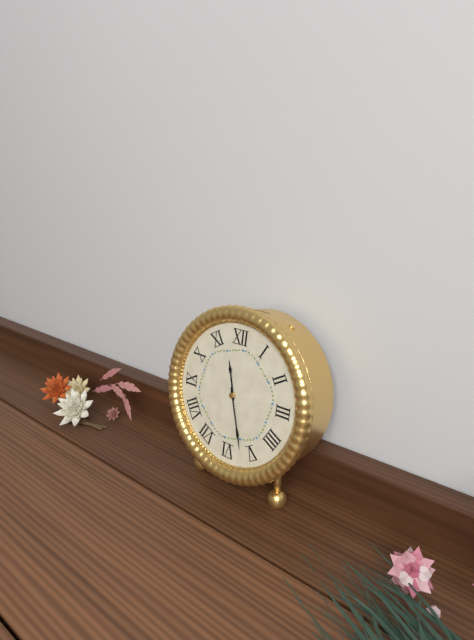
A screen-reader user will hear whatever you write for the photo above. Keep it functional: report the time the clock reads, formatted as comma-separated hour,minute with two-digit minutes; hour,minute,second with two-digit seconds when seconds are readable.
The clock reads 11,27
